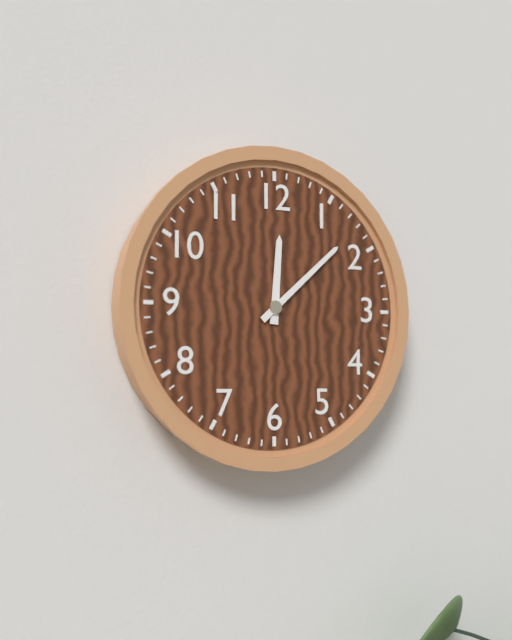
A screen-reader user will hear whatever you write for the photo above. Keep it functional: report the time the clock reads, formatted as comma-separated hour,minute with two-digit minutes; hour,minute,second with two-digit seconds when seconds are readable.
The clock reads 12,08
